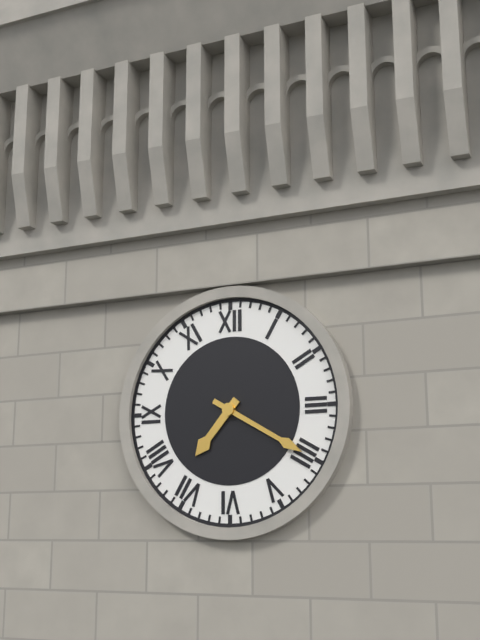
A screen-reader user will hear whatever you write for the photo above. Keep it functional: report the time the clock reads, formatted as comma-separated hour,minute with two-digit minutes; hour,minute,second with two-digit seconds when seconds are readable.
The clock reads 7,20
